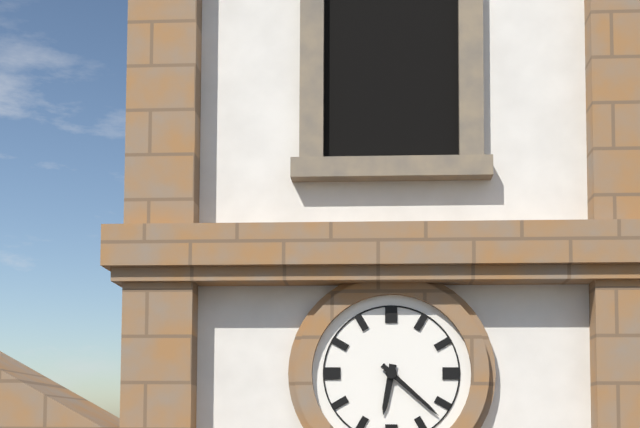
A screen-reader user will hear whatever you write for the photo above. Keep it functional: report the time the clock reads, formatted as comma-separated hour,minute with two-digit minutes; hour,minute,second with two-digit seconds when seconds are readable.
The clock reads 6,22
